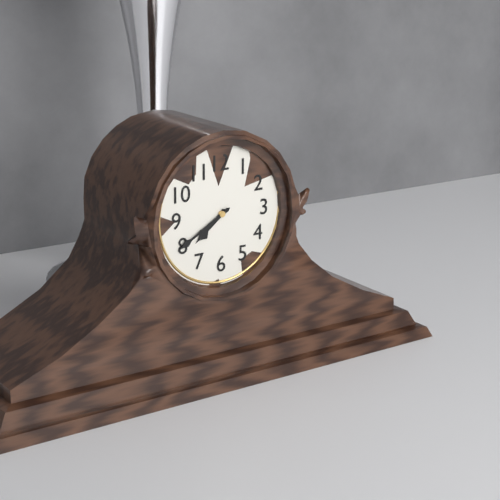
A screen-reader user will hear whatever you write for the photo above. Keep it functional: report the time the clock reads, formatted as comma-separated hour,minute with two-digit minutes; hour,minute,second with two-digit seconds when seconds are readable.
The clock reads 7,40
